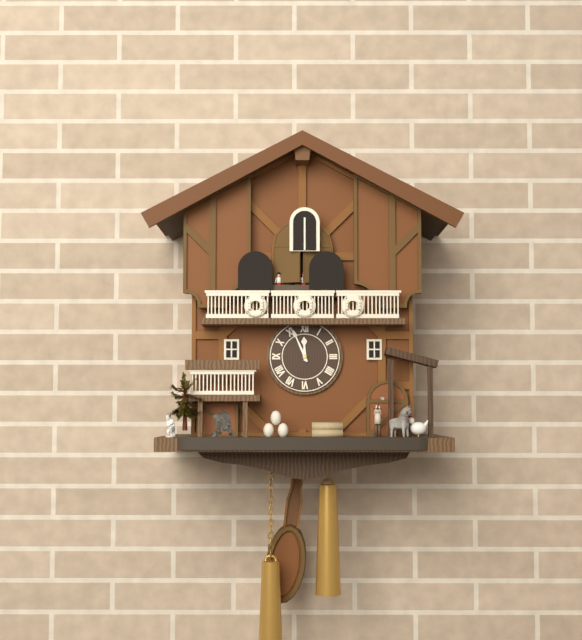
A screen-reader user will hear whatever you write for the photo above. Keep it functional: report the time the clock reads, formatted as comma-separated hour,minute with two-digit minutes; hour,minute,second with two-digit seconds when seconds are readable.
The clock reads 11,56
